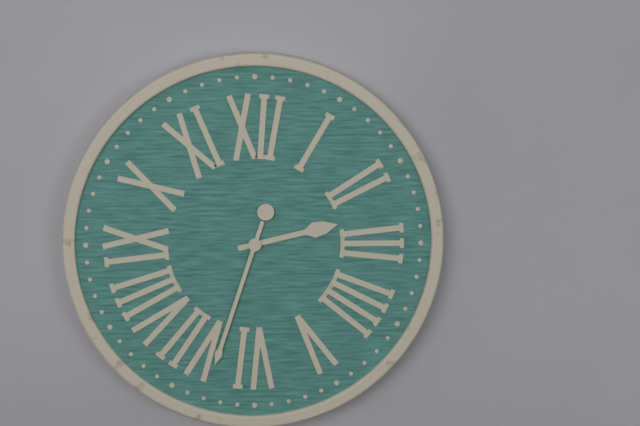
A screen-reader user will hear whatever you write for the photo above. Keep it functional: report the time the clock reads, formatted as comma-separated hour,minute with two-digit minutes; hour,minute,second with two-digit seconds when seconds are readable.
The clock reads 2,33
